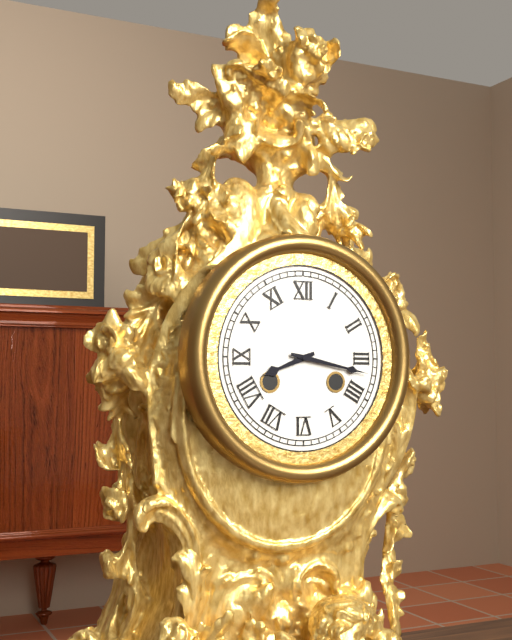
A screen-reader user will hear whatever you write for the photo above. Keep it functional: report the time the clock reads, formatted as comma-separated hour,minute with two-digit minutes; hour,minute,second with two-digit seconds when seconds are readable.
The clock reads 8,17
